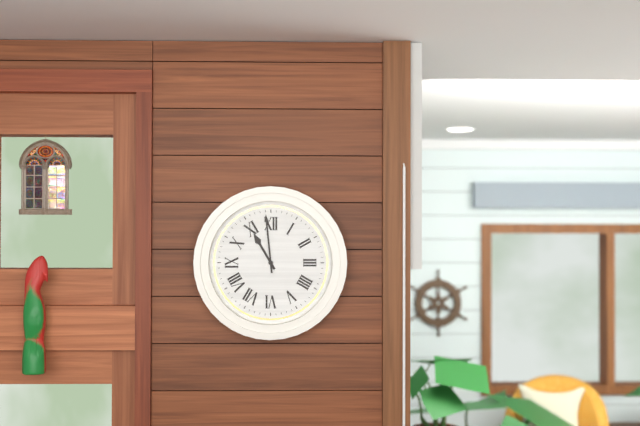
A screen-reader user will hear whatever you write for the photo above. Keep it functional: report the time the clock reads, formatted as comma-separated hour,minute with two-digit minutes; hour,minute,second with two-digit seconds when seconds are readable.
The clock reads 10,59
